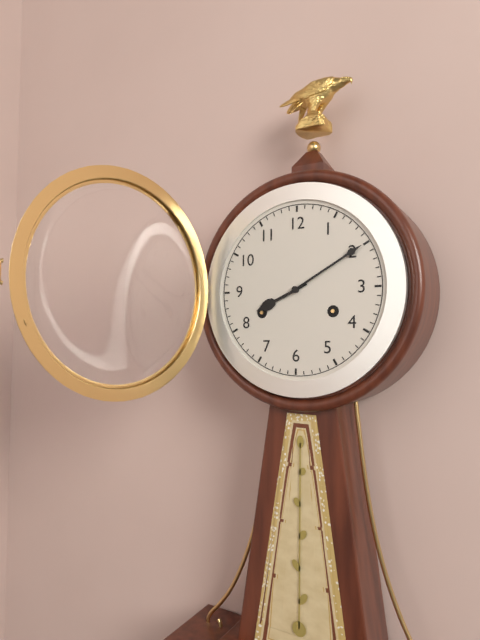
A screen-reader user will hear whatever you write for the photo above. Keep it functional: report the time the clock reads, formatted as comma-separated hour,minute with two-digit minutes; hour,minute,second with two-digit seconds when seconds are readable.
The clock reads 8,10
